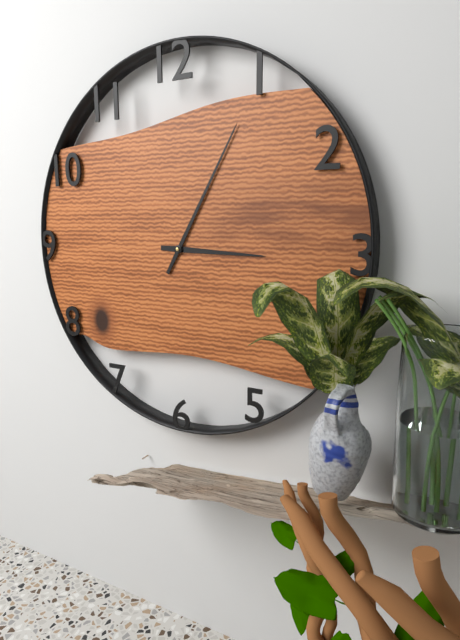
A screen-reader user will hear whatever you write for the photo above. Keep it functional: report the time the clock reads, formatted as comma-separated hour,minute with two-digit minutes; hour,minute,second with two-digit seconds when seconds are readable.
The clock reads 3,05
